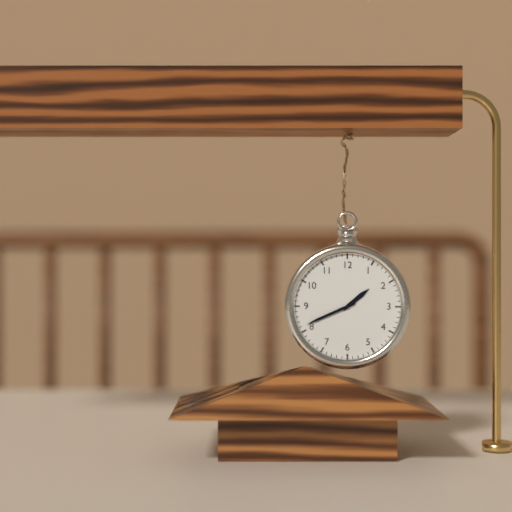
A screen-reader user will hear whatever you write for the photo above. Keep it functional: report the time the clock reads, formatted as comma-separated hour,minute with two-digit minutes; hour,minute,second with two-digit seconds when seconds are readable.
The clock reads 1,41
